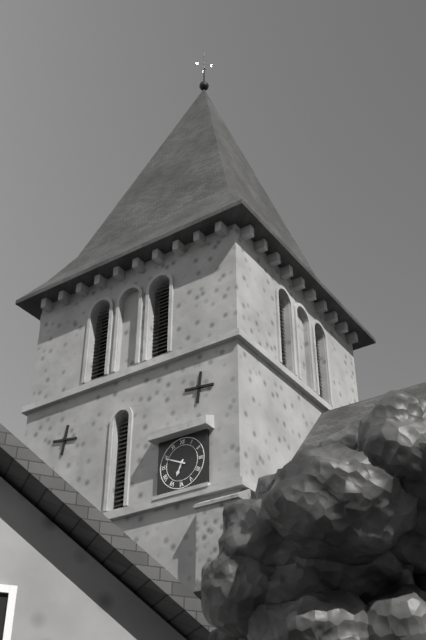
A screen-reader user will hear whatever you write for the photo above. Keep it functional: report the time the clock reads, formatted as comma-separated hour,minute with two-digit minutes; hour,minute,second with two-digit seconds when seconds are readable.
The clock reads 6,49
